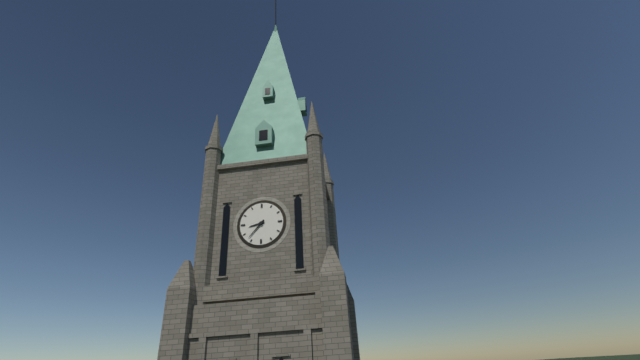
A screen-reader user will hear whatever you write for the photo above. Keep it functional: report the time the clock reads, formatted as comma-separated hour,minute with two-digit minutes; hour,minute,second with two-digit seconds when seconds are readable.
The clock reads 8,37
